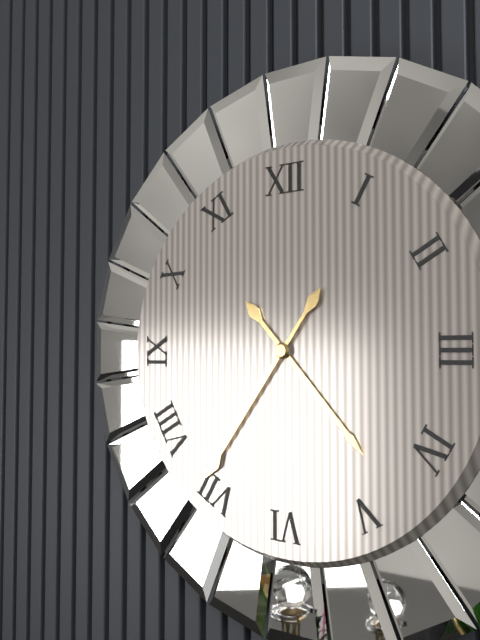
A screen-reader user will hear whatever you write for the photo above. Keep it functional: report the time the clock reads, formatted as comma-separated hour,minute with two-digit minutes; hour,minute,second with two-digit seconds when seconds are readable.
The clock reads 4,36
